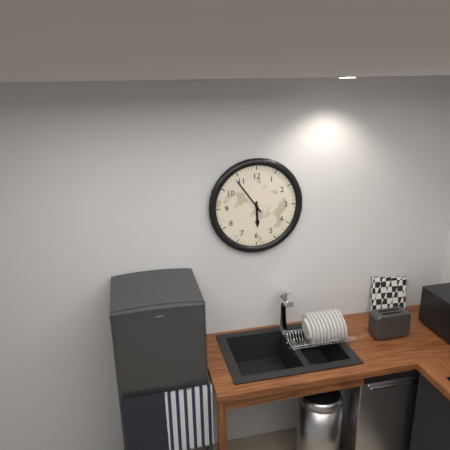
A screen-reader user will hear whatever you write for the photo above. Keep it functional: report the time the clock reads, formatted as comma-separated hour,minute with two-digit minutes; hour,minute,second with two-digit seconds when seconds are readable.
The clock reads 5,54
